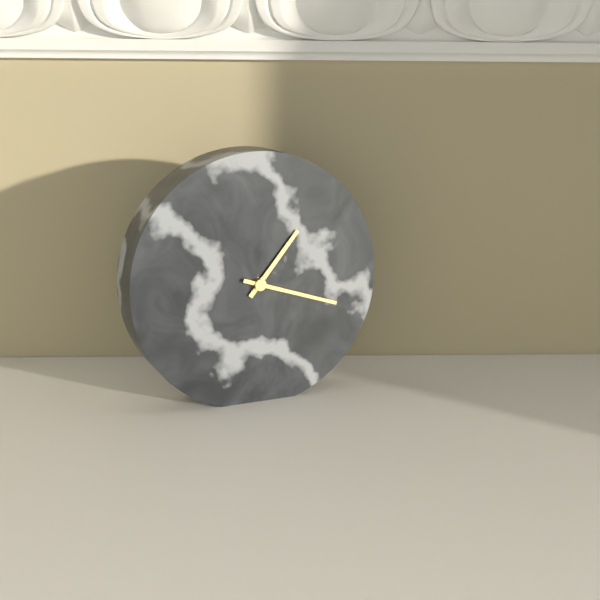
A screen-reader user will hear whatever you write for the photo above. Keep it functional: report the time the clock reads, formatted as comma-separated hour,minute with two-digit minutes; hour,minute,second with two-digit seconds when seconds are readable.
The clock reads 1,18
